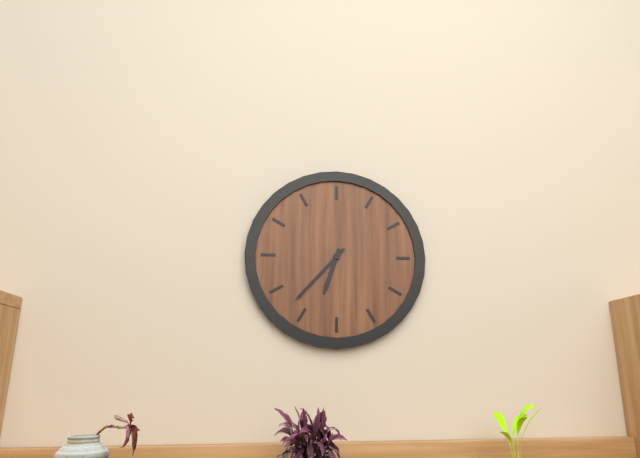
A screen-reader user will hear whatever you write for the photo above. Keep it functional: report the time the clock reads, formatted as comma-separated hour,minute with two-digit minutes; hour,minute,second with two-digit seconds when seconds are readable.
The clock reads 6,37
